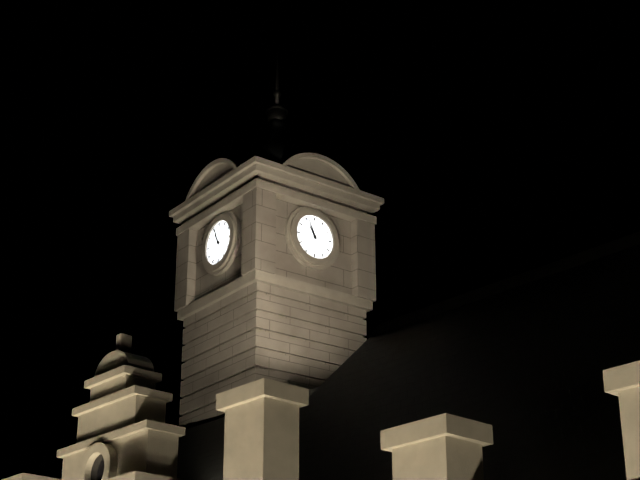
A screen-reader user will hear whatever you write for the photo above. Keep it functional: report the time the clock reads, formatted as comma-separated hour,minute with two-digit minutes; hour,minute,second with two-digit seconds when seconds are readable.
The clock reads 10,56
